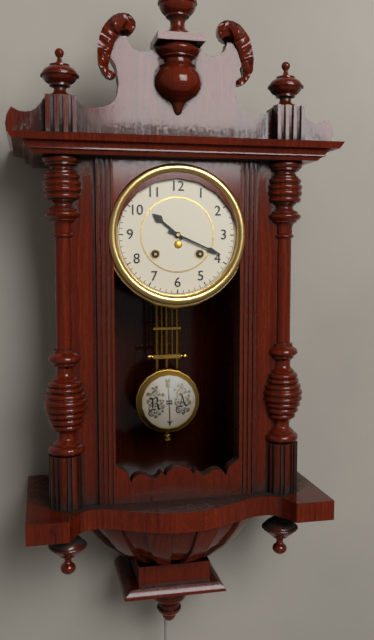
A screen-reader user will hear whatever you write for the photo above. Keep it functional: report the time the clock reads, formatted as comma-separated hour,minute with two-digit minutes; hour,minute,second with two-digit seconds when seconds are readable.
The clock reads 10,19
